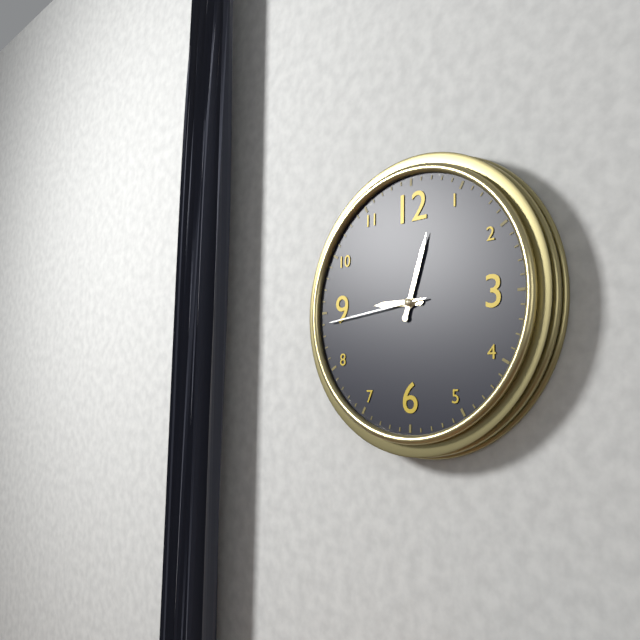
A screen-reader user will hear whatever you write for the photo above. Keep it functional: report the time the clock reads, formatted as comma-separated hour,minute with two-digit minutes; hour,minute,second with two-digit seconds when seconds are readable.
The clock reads 9,03,44
